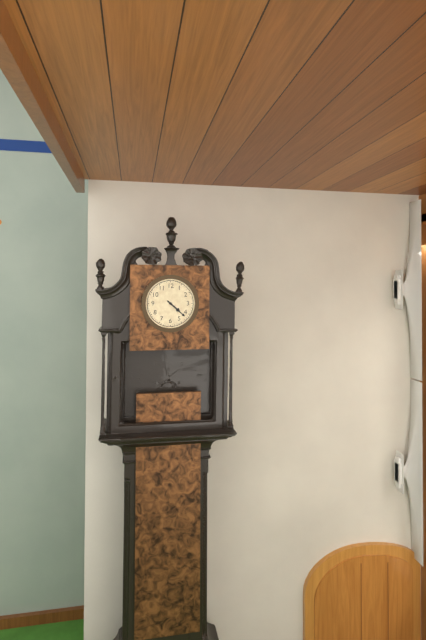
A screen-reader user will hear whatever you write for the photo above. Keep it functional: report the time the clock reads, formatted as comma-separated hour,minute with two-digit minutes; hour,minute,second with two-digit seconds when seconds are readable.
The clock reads 4,22
